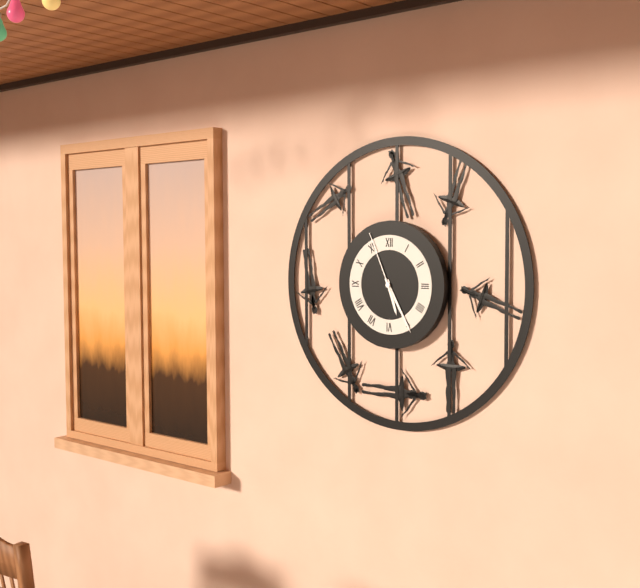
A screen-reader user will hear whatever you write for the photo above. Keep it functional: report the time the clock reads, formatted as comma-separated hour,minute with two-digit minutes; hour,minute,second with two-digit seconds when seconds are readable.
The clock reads 5,25,56
